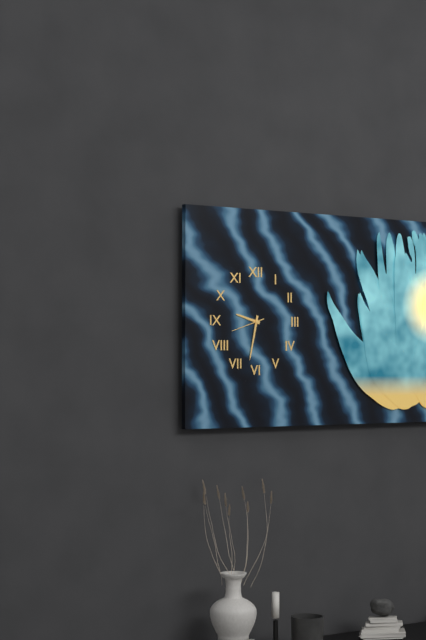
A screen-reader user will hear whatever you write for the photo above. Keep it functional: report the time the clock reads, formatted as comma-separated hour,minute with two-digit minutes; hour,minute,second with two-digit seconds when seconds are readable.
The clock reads 9,32
